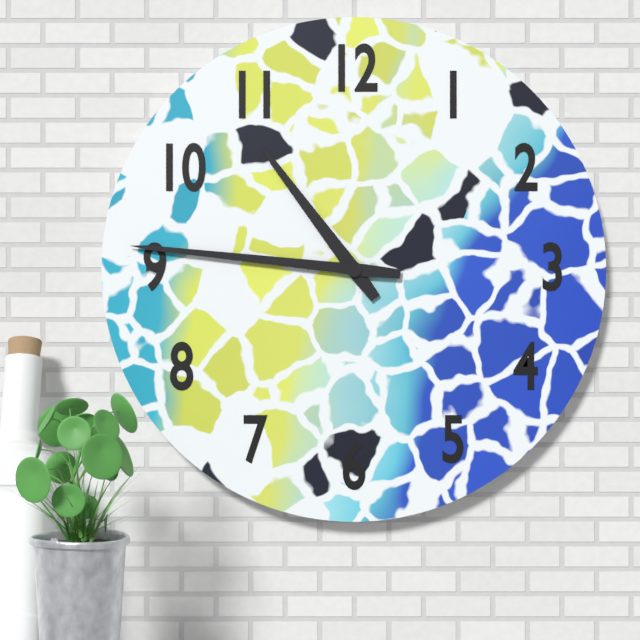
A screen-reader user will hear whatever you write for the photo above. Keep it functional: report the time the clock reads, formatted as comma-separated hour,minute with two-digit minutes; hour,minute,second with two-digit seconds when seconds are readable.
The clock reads 10,46
